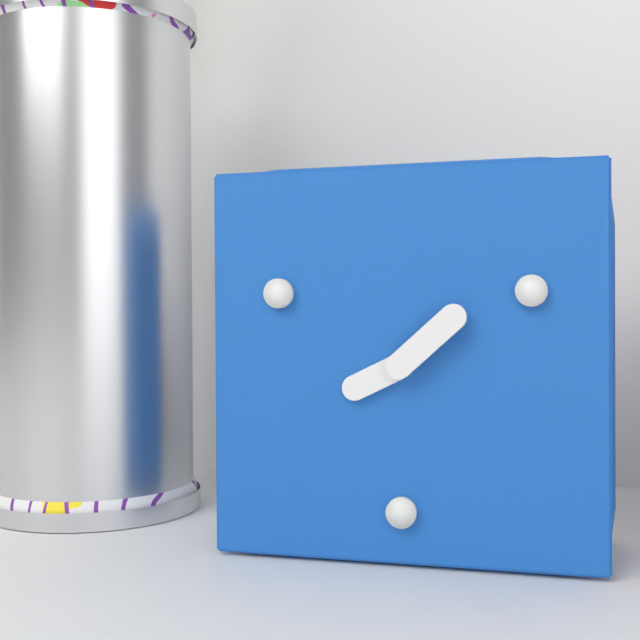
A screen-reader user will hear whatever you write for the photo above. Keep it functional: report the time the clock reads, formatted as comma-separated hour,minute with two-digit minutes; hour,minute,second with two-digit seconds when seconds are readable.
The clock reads 8,08
